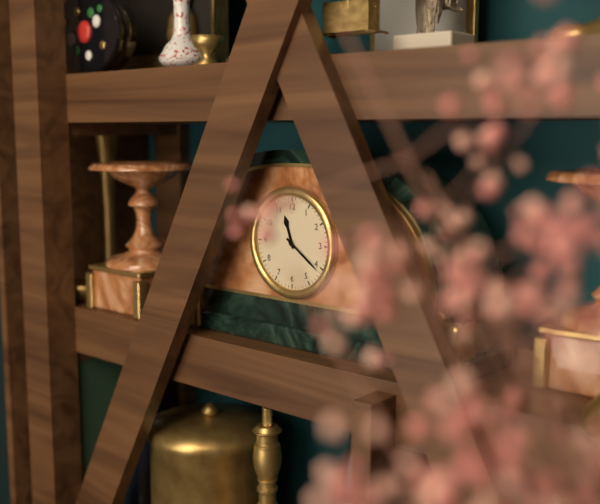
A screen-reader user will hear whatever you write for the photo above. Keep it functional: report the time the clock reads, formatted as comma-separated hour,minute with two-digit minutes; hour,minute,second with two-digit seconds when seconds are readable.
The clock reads 11,21
